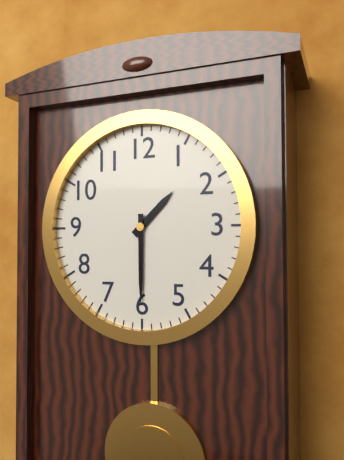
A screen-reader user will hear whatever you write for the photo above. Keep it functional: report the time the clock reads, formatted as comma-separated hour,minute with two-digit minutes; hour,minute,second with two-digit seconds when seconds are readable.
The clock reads 1,30
